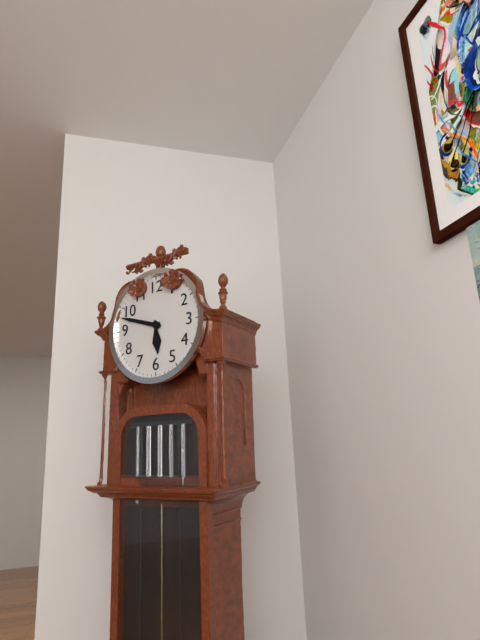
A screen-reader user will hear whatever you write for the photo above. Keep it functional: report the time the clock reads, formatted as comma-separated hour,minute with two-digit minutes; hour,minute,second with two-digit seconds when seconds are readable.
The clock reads 5,48
